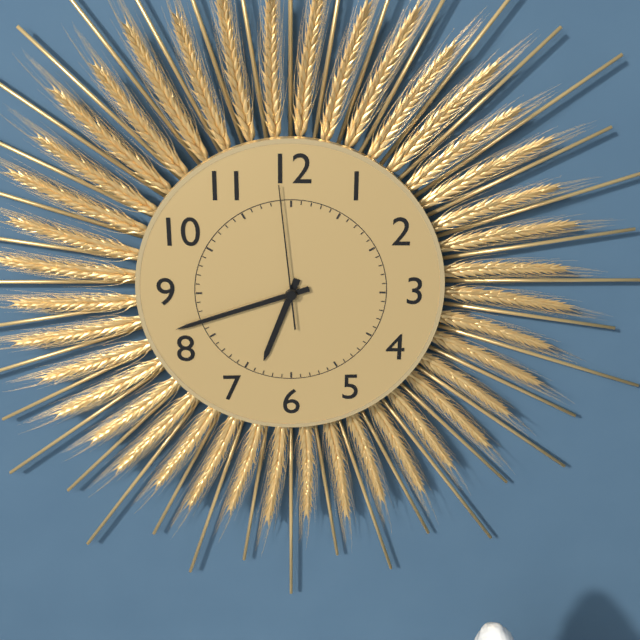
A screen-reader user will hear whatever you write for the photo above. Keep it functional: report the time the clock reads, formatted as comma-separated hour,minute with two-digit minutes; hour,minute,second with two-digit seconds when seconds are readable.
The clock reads 6,42,59
